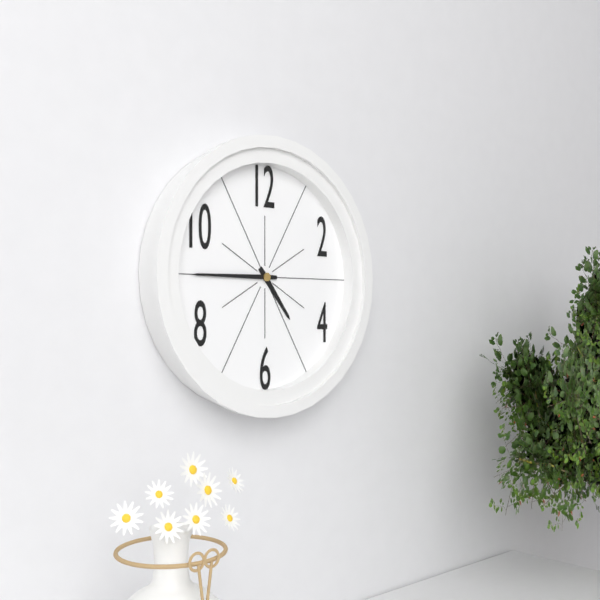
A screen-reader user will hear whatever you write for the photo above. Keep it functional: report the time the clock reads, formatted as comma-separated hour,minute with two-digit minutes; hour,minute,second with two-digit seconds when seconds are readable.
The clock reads 4,45
